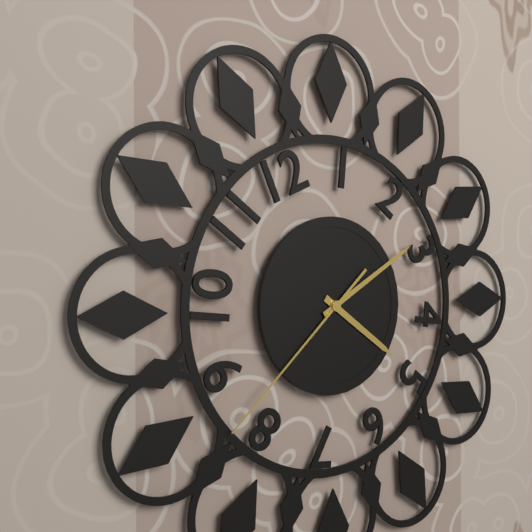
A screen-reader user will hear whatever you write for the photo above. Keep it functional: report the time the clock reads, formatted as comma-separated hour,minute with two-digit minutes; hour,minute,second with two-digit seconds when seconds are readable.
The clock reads 4,10,38
